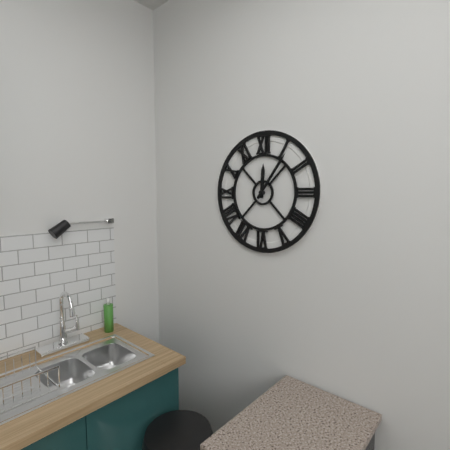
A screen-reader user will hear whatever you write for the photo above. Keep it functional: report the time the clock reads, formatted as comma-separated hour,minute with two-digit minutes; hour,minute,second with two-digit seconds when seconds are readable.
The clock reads 12,06
